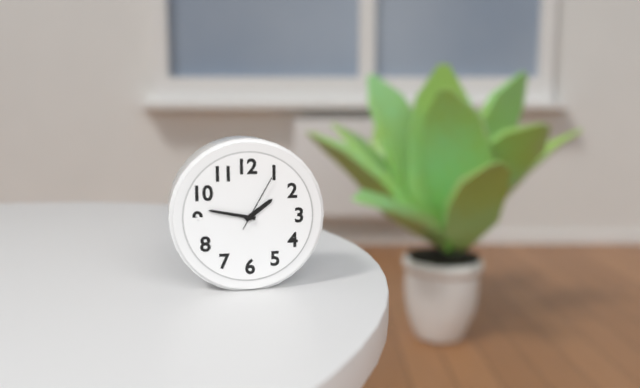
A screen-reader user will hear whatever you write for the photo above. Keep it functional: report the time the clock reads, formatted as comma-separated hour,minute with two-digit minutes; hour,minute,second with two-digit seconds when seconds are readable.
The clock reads 1,47,05
